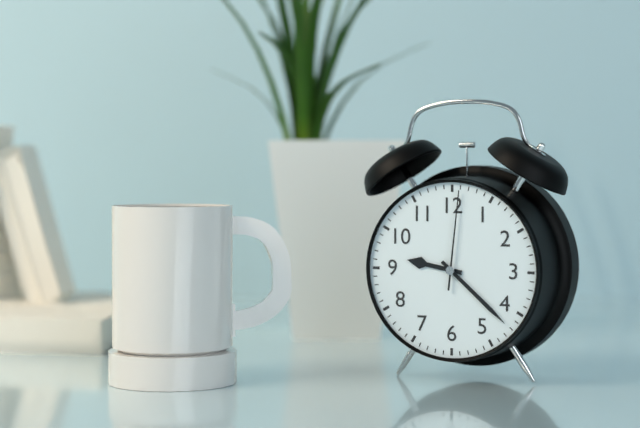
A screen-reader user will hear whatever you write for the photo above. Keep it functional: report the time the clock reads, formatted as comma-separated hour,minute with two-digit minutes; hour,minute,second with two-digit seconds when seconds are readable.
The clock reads 9,22,01
